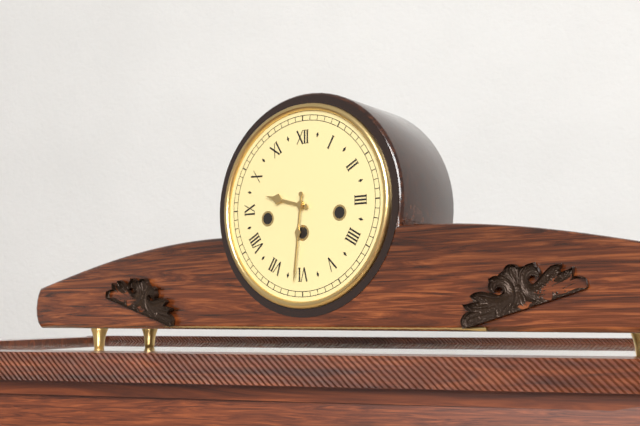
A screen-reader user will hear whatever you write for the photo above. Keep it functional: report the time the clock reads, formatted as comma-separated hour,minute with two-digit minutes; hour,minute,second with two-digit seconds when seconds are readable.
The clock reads 9,31
